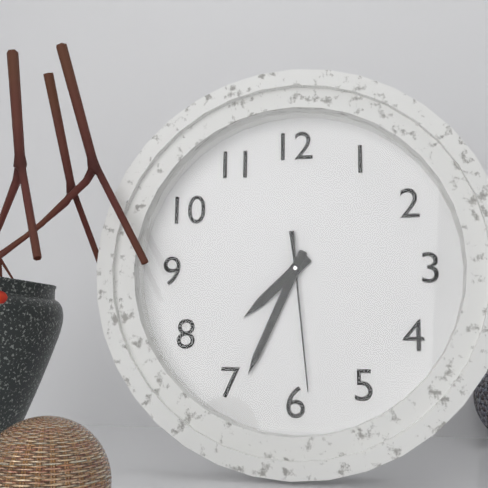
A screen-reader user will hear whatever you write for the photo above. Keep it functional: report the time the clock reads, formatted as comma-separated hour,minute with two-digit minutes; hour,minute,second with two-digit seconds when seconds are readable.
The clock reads 7,34,29
